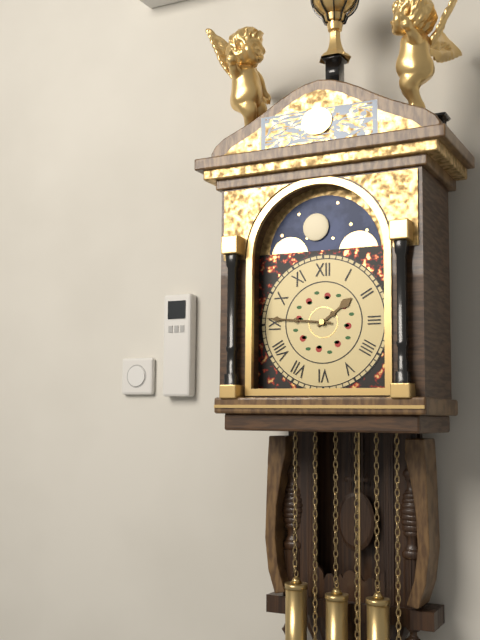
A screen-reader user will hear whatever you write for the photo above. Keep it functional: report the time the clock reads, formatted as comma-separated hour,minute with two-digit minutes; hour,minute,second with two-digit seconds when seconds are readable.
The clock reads 1,46
